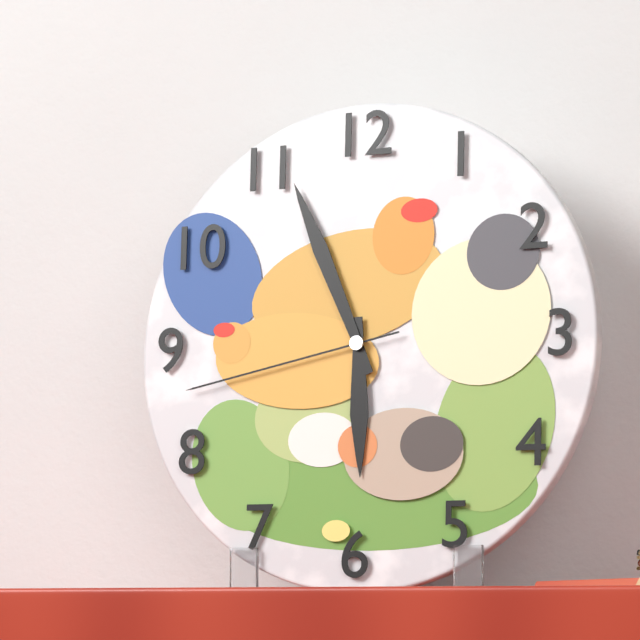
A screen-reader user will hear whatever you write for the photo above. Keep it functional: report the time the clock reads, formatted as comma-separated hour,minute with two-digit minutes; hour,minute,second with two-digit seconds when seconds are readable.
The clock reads 5,56,43
